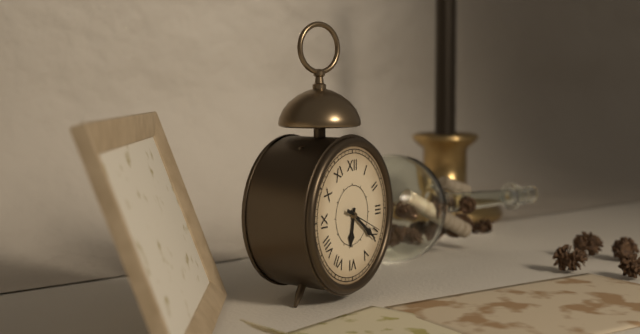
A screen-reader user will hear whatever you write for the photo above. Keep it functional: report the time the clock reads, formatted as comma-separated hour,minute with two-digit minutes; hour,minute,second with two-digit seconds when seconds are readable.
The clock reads 6,21
